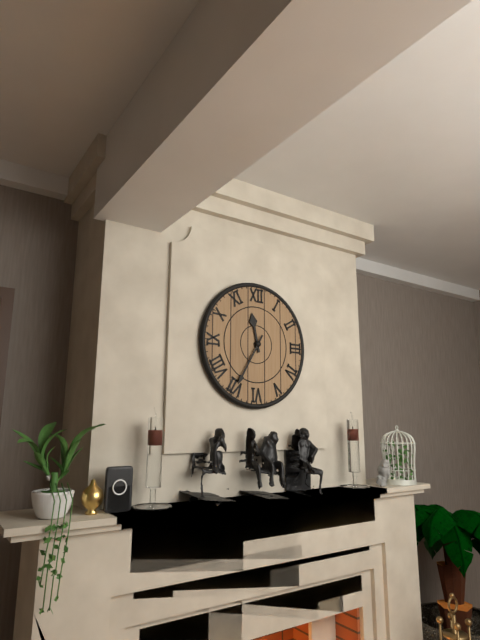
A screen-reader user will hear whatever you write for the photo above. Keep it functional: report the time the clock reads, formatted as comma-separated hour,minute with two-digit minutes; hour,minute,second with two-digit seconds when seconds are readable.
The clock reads 11,35
